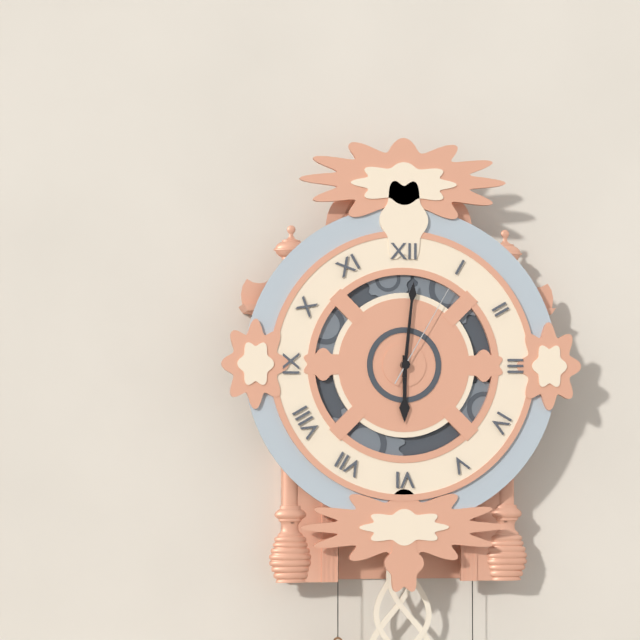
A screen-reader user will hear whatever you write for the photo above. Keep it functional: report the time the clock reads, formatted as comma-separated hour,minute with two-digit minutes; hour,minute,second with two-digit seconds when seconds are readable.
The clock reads 6,01,05
